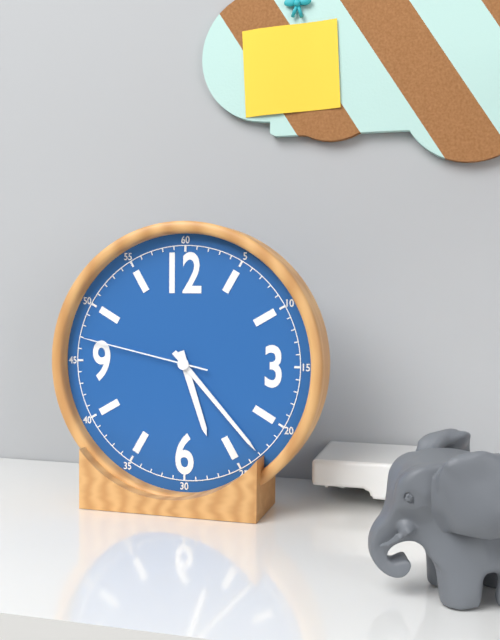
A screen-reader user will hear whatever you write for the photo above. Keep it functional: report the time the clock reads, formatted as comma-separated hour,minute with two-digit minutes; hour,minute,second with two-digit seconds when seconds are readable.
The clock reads 5,23,47
